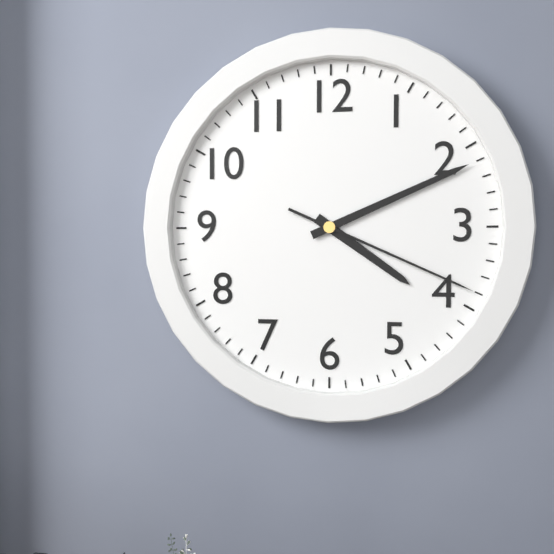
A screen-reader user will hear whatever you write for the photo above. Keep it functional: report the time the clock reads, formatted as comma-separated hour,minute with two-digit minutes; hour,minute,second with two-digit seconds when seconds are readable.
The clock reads 4,11,19
